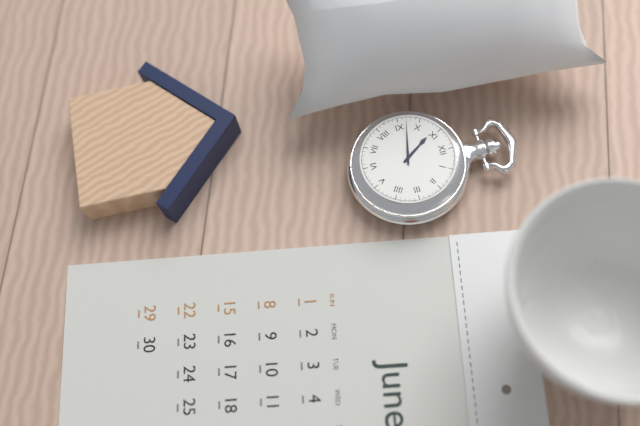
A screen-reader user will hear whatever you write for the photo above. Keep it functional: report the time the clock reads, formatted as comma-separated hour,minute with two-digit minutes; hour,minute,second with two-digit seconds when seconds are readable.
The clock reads 10,47
